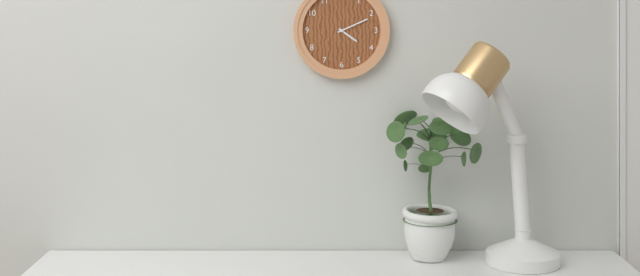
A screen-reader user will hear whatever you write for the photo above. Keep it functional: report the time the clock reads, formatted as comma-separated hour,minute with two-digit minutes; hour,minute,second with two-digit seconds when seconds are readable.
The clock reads 4,11
